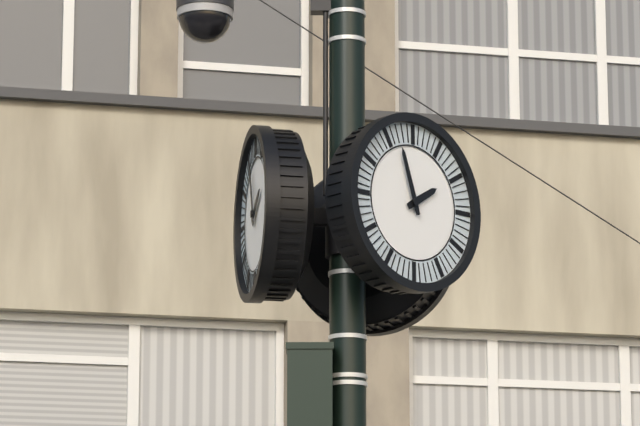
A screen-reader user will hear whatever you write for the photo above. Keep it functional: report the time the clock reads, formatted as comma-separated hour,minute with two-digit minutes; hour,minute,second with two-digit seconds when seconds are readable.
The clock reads 1,57
